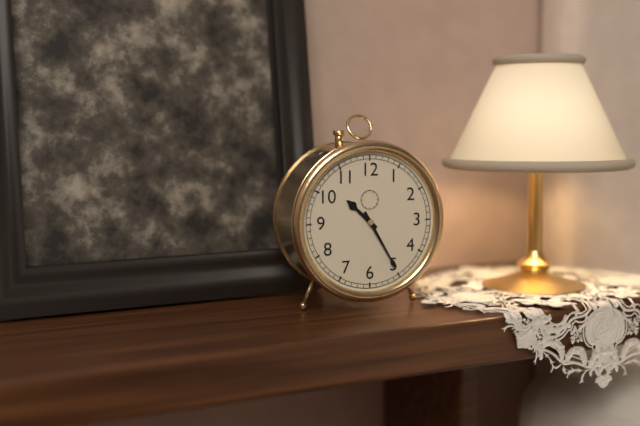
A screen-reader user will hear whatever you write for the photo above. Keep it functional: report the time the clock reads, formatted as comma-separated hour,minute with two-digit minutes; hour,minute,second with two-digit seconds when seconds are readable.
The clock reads 10,25
